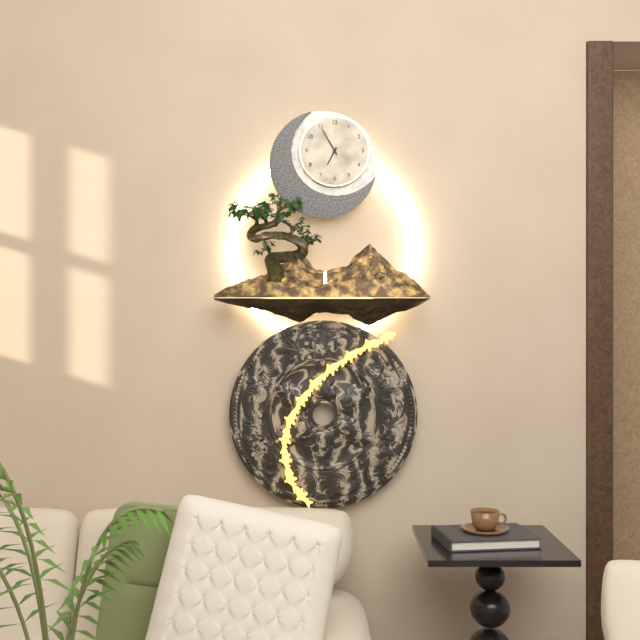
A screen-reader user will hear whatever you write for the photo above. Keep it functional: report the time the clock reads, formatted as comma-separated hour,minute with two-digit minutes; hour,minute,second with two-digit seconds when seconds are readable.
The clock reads 6,55
